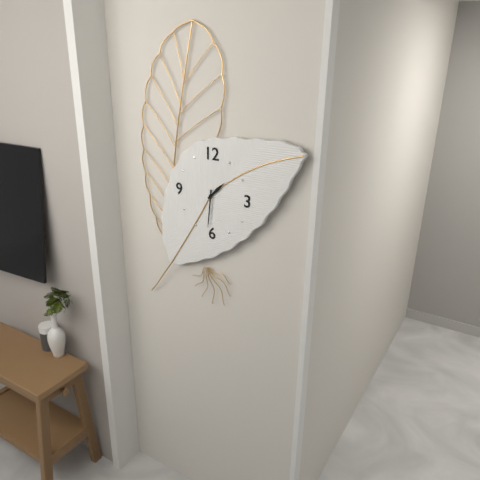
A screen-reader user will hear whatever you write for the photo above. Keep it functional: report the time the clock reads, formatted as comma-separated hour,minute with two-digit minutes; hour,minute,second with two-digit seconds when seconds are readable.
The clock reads 1,31
